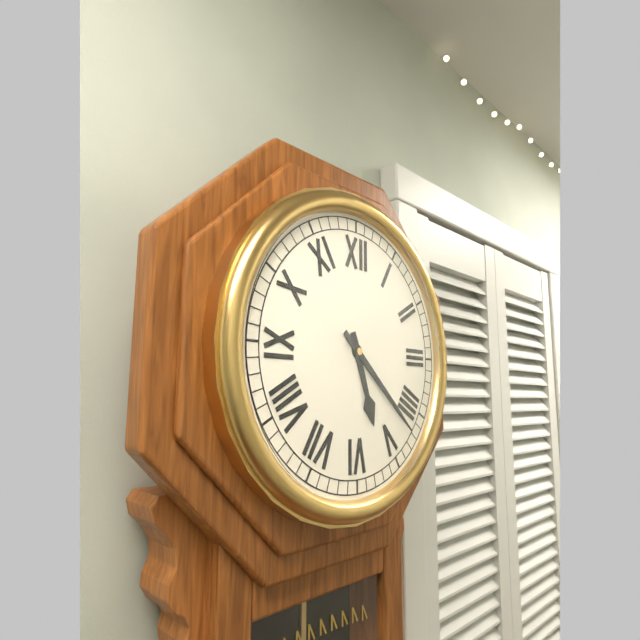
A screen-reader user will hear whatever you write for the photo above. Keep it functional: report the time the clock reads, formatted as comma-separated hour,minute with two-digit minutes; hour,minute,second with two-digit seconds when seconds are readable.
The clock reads 5,22
